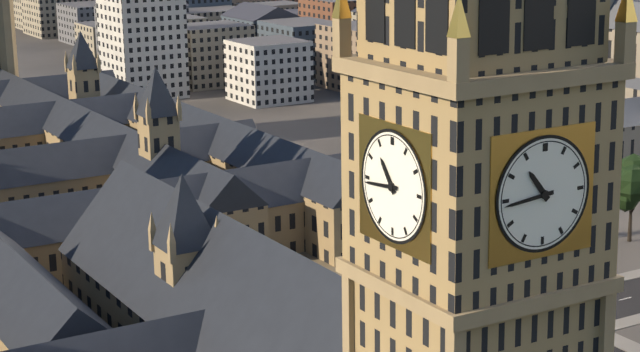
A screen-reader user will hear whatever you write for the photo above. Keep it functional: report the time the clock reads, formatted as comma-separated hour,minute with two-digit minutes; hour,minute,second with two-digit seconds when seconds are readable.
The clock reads 10,44
